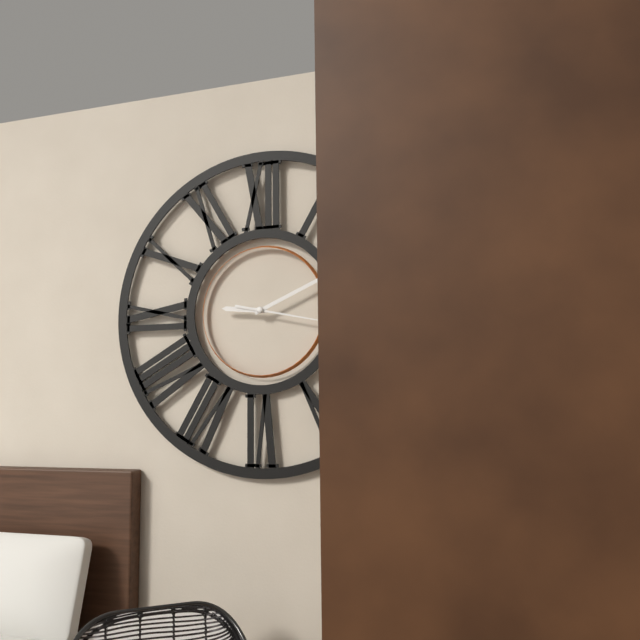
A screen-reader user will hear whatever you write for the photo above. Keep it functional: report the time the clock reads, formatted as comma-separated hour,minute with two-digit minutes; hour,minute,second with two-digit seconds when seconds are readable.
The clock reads 9,11,17
